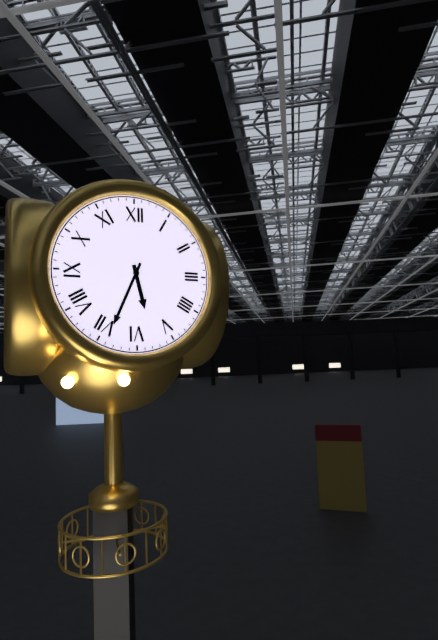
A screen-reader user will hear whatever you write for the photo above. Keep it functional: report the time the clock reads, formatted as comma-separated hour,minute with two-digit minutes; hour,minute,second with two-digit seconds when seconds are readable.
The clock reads 5,34
